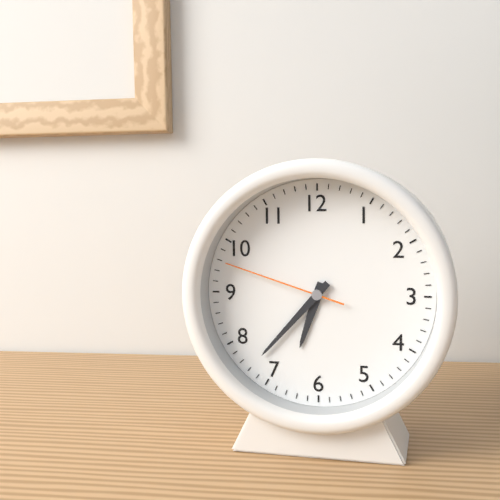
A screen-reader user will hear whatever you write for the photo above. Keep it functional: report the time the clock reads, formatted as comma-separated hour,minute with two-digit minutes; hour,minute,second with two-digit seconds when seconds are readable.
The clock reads 6,37,48
